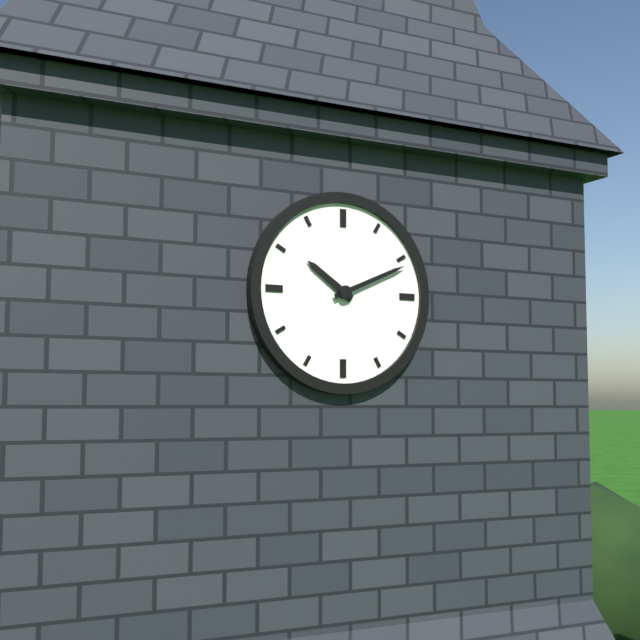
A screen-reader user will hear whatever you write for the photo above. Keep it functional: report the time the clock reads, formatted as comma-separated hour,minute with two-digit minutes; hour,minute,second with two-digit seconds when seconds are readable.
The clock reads 10,11
